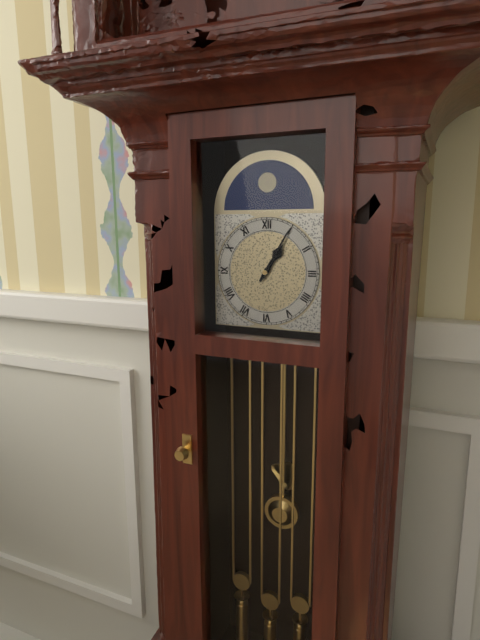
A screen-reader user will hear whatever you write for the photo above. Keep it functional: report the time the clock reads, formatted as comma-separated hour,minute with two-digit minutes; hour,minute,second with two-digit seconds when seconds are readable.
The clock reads 1,05
